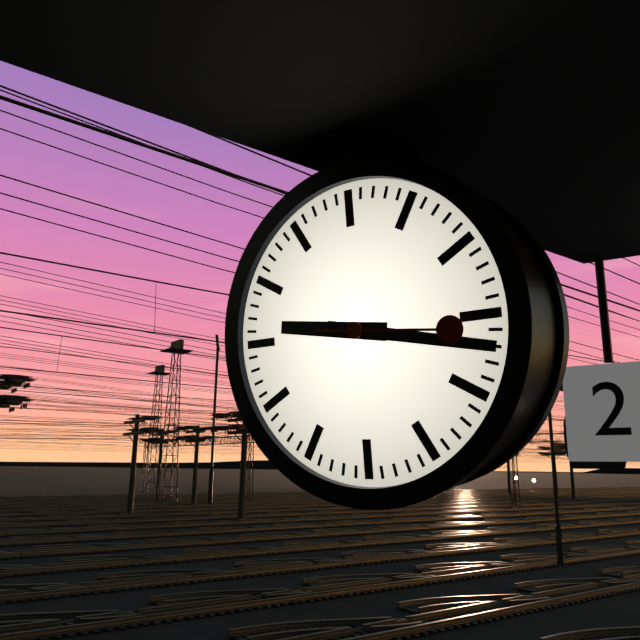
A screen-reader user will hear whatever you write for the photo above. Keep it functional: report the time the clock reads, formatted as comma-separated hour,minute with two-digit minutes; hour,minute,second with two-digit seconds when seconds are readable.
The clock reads 9,17,16
